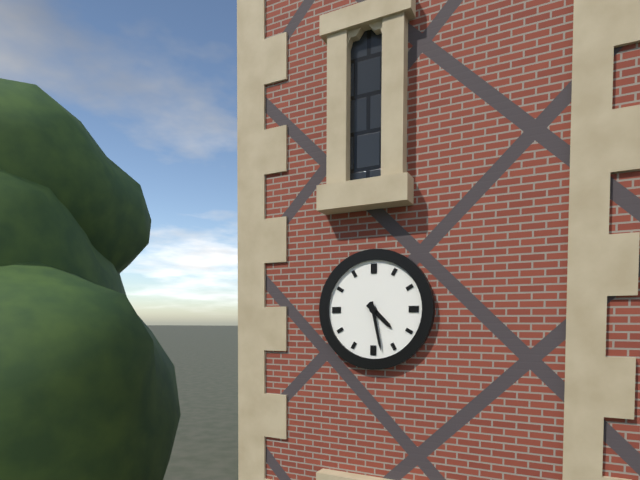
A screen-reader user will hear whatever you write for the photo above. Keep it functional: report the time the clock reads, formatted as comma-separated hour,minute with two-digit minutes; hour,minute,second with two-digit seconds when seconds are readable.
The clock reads 4,28
